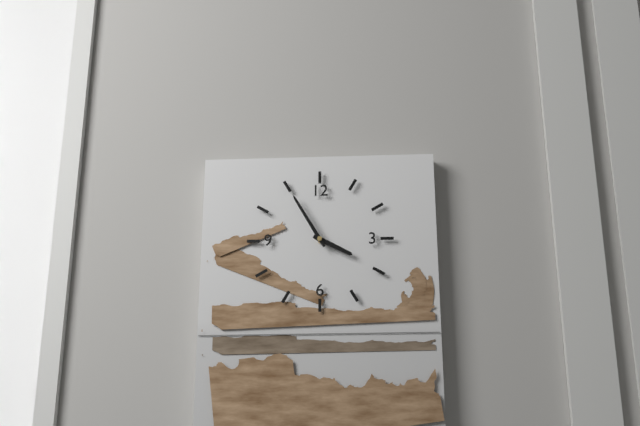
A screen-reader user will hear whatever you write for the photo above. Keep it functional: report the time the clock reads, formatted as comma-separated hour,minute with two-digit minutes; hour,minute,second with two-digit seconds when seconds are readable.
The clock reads 3,55
